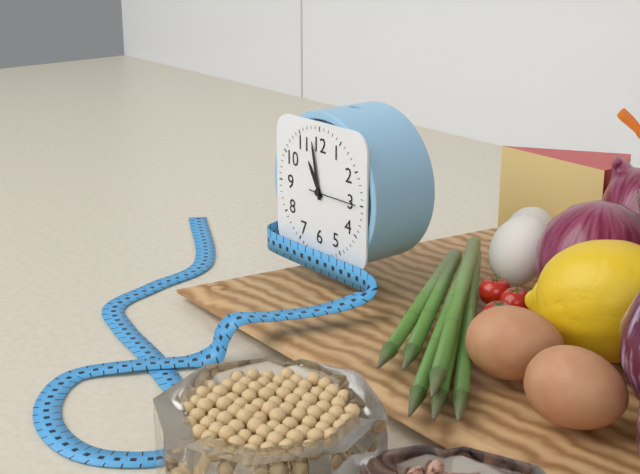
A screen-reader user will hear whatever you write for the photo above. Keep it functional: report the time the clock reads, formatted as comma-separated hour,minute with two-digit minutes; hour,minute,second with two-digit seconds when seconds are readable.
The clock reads 10,58
